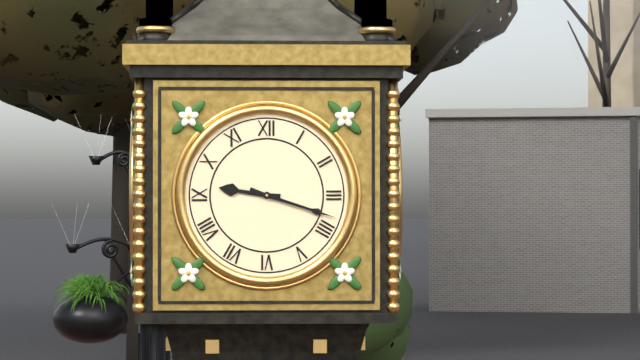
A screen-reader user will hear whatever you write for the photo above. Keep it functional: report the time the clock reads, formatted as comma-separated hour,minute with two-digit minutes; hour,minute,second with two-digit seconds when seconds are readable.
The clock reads 9,18
